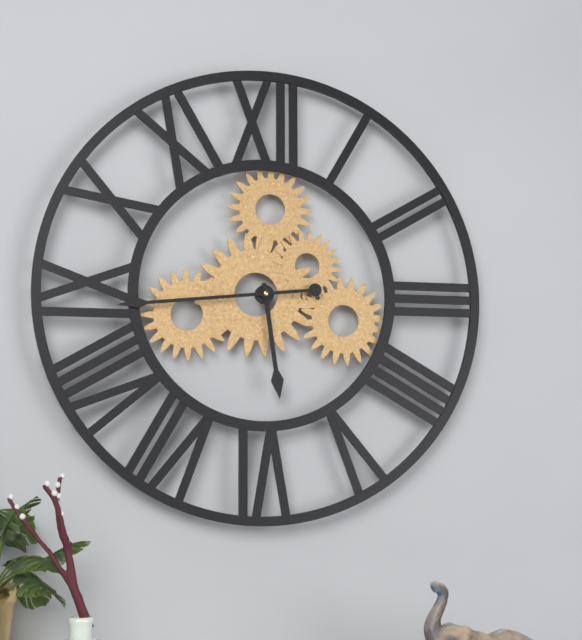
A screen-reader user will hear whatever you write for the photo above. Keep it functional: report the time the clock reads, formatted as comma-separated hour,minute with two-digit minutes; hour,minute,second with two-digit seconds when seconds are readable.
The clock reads 5,44
